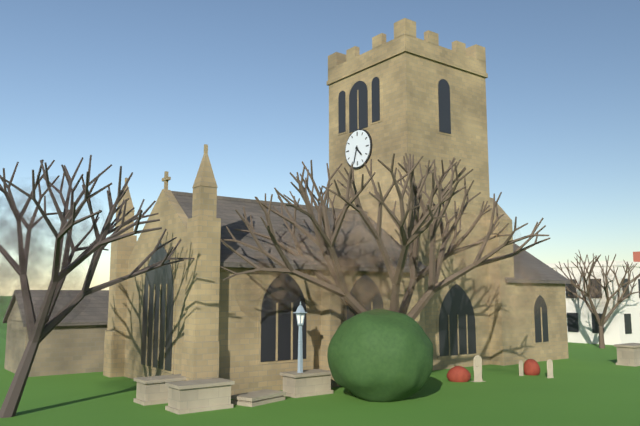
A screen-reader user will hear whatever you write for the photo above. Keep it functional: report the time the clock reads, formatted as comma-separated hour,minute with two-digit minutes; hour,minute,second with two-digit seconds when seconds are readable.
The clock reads 4,33
